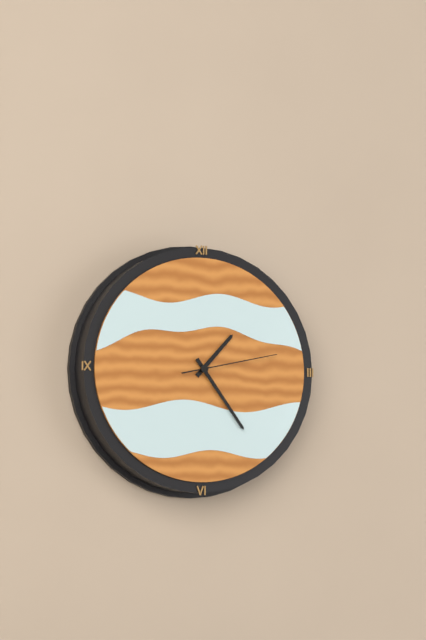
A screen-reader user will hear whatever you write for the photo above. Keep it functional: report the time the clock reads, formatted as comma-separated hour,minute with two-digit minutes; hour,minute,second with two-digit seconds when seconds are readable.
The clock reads 1,24,13
